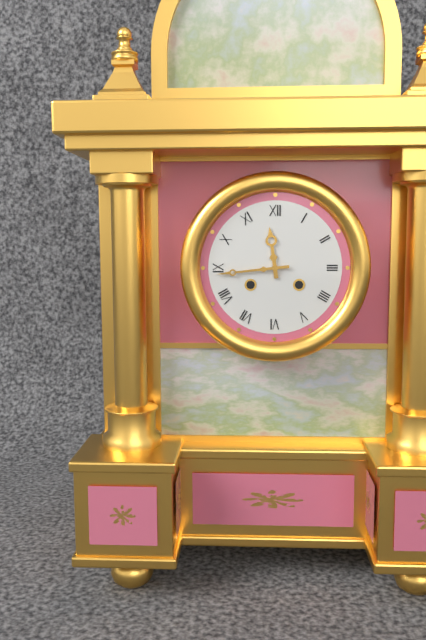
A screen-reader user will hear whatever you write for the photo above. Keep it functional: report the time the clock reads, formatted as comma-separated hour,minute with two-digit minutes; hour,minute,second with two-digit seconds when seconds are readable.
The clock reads 11,44
